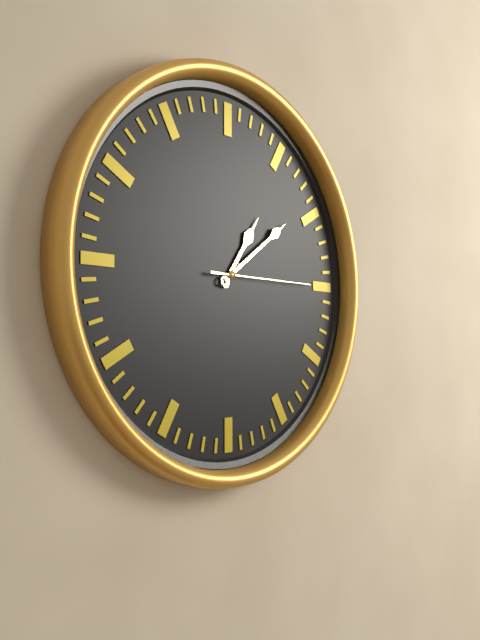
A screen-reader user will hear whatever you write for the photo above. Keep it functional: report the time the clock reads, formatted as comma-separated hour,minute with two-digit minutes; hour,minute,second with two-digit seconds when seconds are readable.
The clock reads 1,09,15
